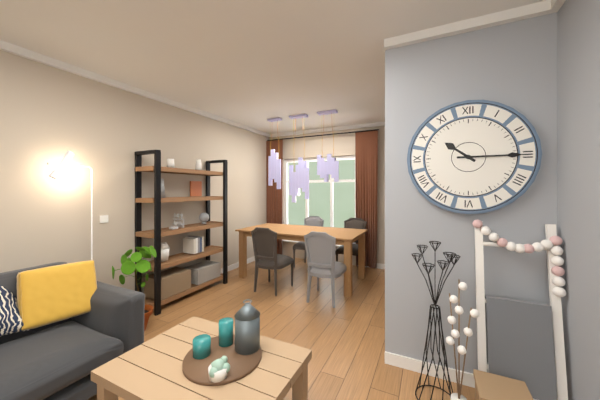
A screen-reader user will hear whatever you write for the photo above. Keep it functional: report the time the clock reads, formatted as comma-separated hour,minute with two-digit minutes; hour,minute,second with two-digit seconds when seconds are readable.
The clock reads 10,15
